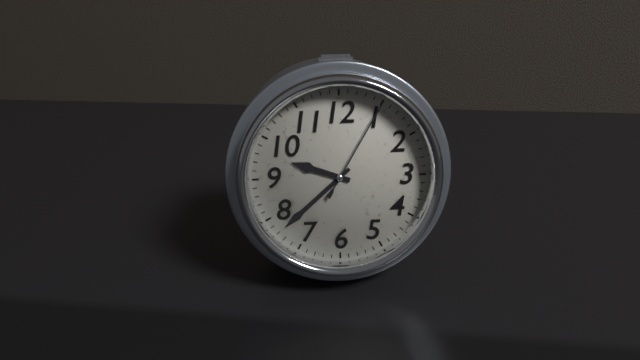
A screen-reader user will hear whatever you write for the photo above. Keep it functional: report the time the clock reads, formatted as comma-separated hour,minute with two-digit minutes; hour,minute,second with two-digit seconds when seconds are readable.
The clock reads 9,38,05
